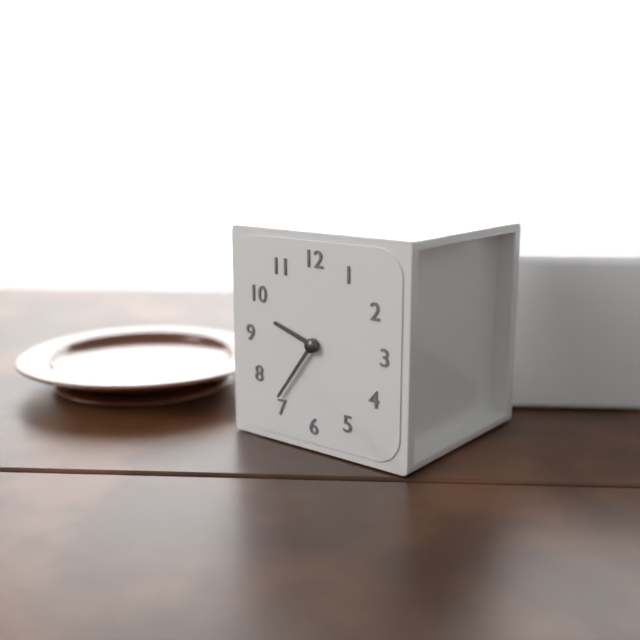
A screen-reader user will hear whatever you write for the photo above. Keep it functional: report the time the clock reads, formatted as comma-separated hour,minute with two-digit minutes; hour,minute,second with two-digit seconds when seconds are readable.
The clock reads 9,36
